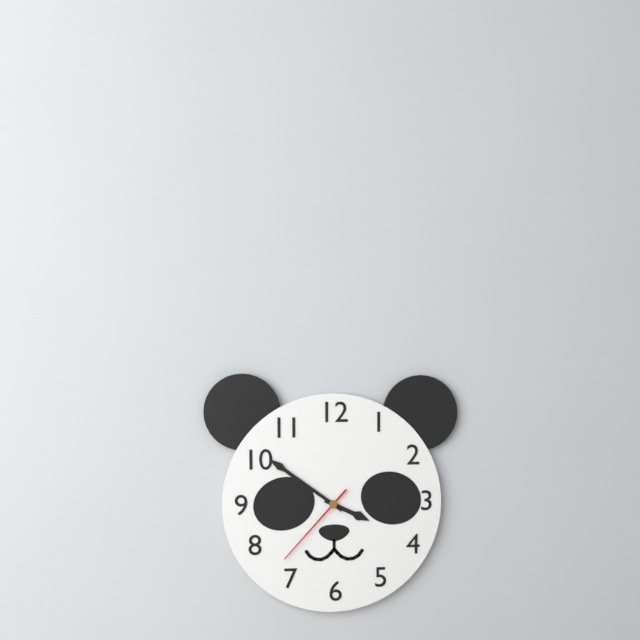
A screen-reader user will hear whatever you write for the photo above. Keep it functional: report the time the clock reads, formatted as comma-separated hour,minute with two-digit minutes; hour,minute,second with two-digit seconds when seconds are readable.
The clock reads 3,51,37
